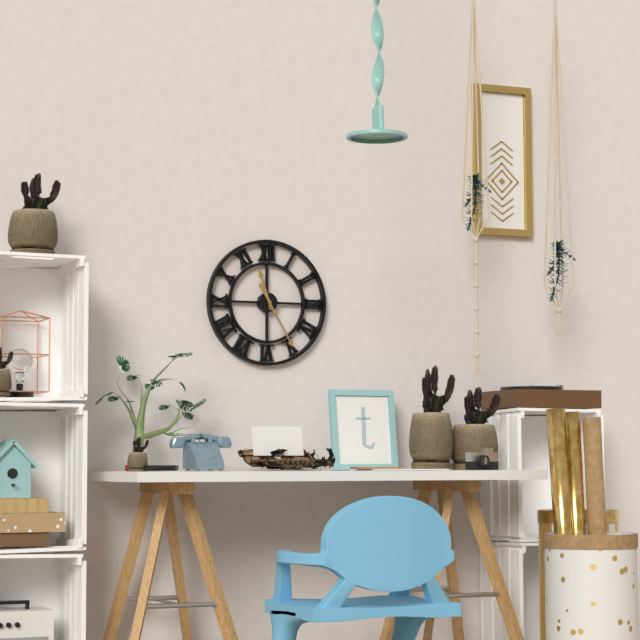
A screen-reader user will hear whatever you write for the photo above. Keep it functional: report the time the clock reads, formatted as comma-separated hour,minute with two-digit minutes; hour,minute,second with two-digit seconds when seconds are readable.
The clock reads 11,25
